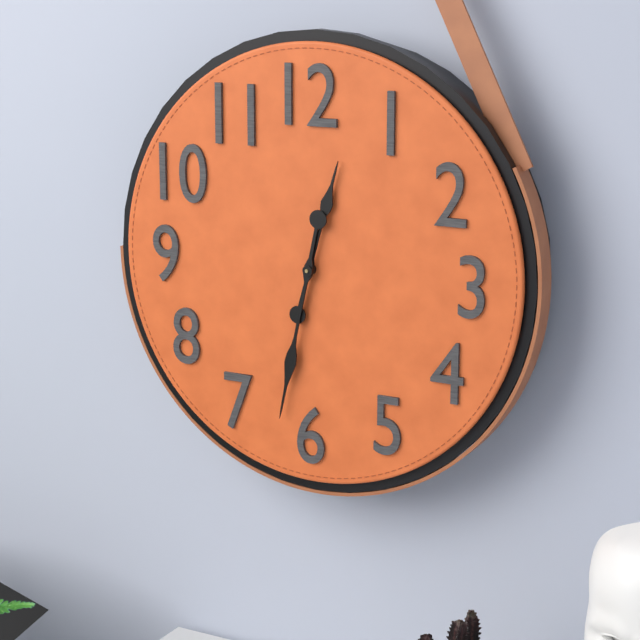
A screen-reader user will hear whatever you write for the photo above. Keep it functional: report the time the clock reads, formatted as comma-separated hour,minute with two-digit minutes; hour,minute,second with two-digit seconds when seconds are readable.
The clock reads 12,32
